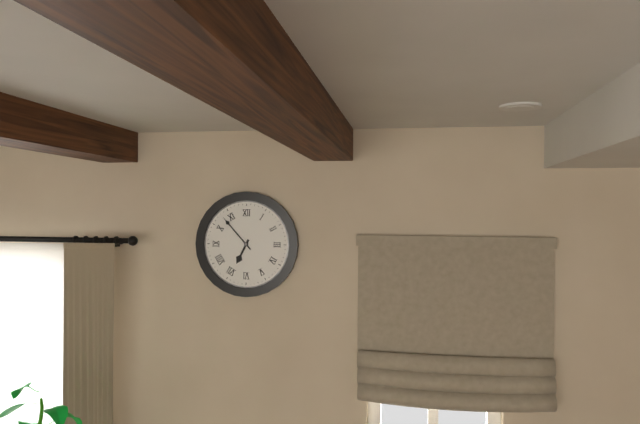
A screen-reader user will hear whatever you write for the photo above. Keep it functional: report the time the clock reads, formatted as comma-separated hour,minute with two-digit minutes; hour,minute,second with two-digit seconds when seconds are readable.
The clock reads 6,53
